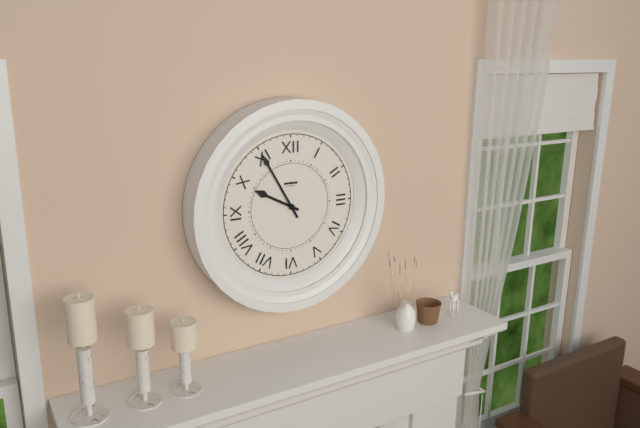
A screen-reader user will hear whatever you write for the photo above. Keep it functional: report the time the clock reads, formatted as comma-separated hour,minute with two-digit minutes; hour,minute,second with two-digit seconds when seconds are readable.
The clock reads 9,55
